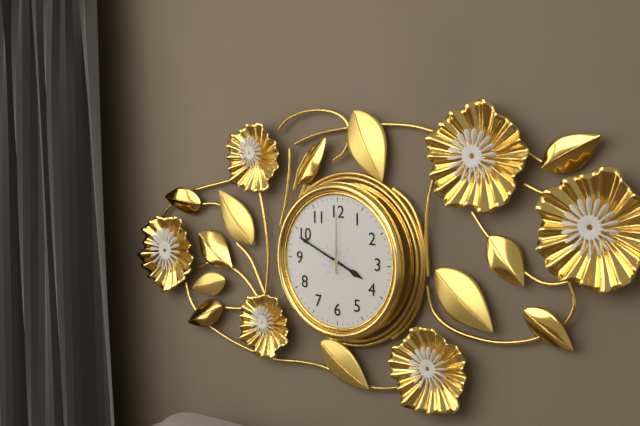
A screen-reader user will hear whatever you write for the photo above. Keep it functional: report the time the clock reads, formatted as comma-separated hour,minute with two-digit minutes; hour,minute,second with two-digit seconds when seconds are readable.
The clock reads 3,49,00
